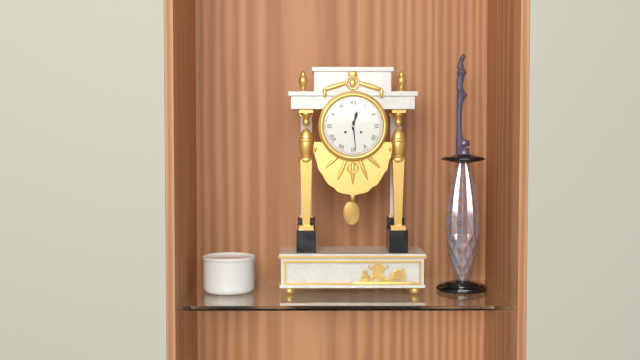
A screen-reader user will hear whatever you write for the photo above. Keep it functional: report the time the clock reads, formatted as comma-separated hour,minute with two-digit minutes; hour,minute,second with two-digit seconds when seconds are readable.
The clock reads 12,29
